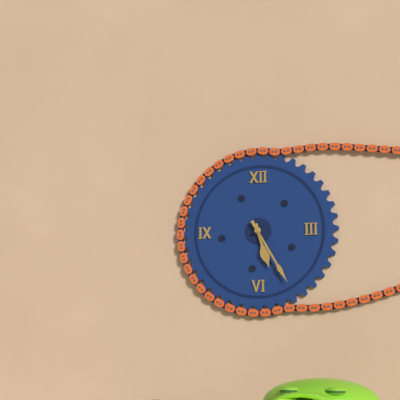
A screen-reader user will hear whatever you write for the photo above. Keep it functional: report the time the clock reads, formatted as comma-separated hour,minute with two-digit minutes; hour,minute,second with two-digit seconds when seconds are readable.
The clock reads 5,25
